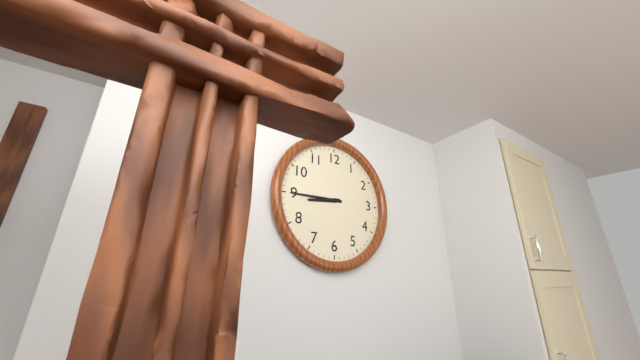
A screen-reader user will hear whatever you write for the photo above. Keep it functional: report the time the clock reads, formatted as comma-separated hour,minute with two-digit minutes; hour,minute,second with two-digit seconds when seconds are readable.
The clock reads 8,45
